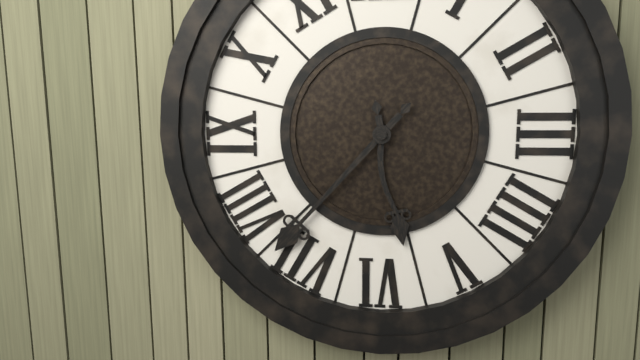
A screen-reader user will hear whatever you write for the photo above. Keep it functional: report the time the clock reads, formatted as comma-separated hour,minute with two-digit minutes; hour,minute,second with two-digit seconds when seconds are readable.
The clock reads 5,37
